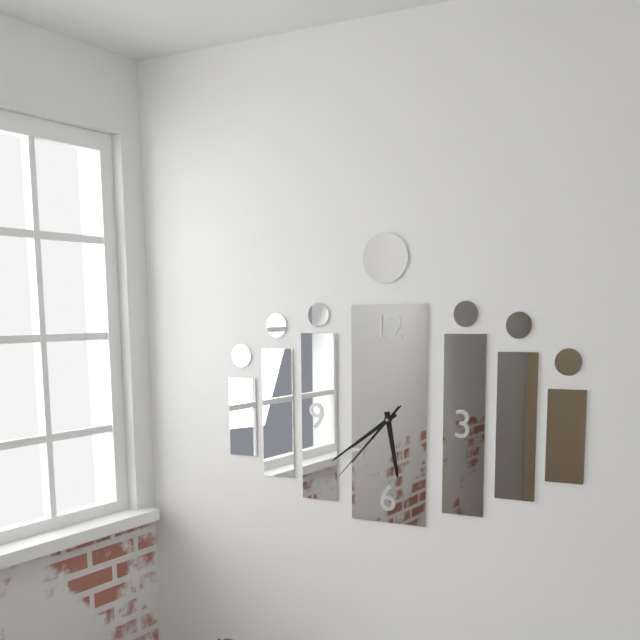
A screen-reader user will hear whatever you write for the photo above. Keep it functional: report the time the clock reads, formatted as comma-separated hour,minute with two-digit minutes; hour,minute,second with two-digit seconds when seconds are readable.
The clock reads 5,39,37
